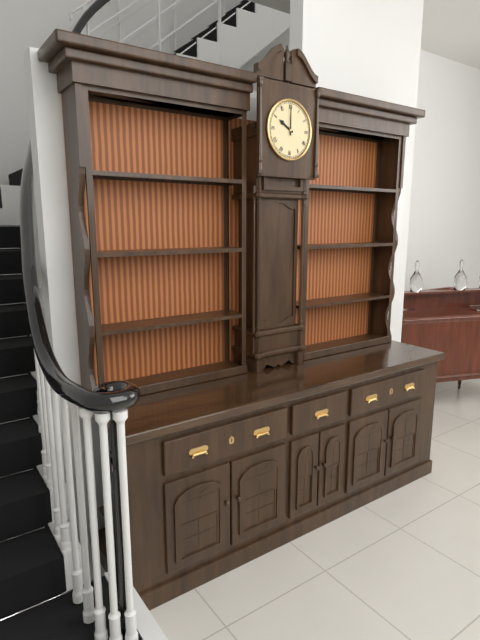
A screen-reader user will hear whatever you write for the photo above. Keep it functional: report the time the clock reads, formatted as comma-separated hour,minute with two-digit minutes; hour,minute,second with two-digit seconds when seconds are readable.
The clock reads 10,00
